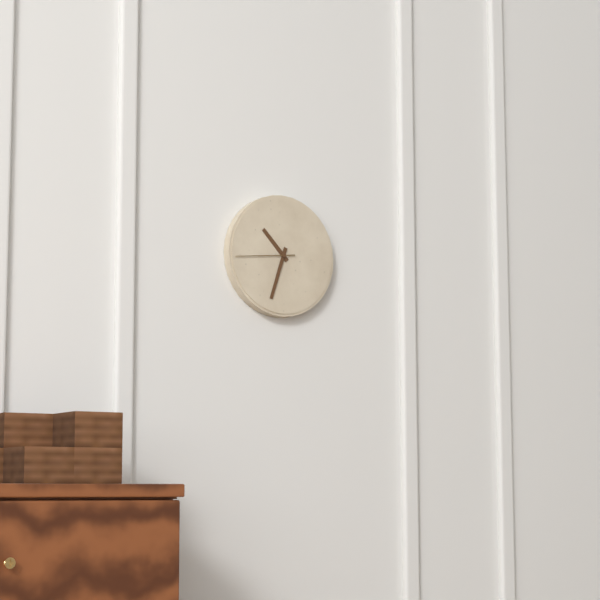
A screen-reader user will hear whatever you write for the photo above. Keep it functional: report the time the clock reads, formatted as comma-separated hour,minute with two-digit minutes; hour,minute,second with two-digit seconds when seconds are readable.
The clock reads 10,33,44
